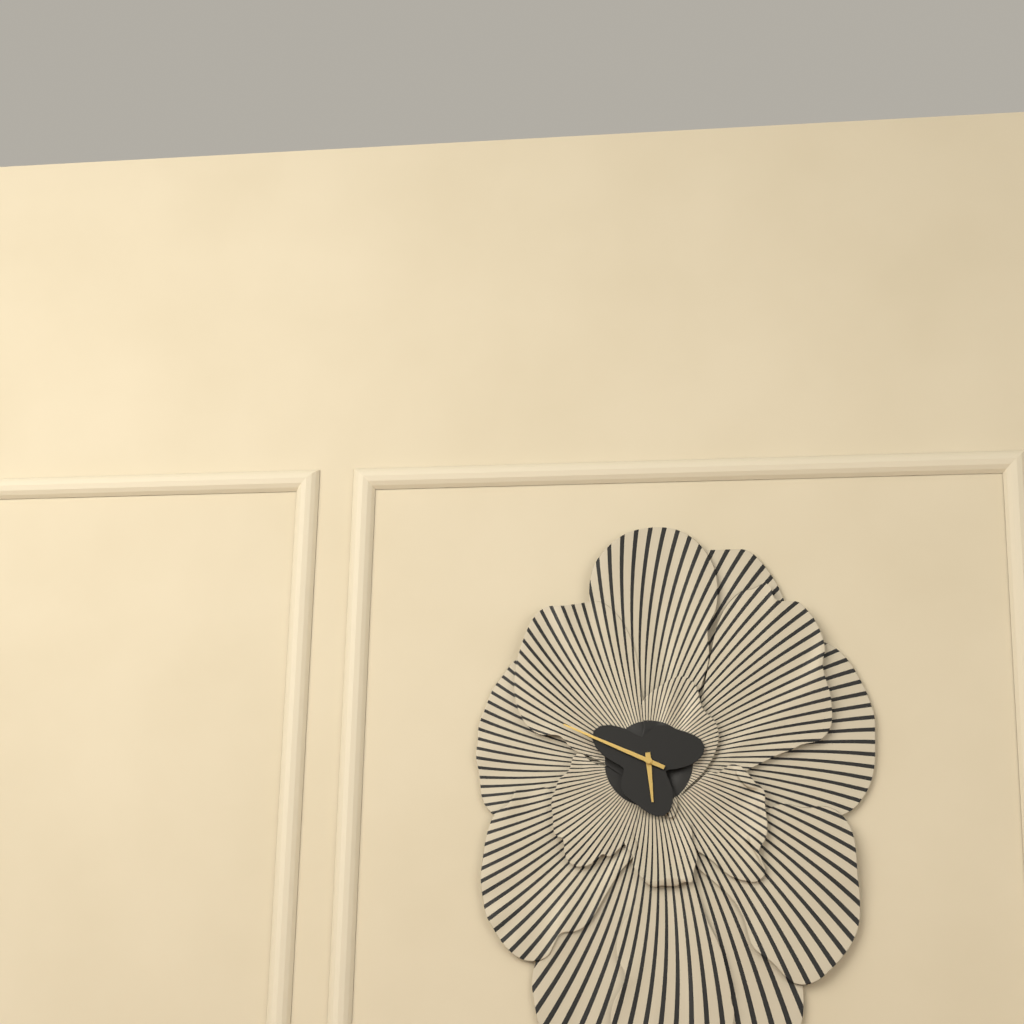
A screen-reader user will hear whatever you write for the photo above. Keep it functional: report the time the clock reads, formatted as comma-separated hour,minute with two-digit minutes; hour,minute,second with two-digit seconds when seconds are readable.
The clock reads 5,49
